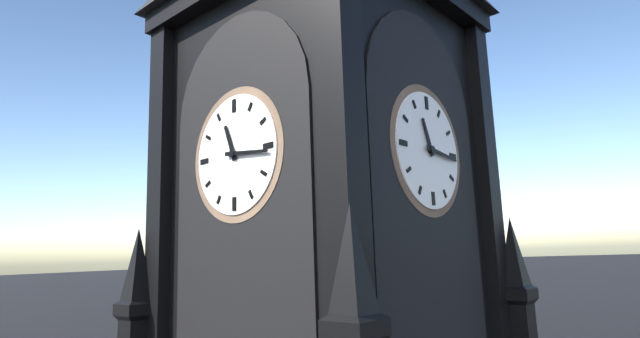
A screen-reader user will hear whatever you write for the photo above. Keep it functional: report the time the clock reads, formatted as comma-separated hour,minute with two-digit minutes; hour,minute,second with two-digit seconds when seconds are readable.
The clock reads 11,16
